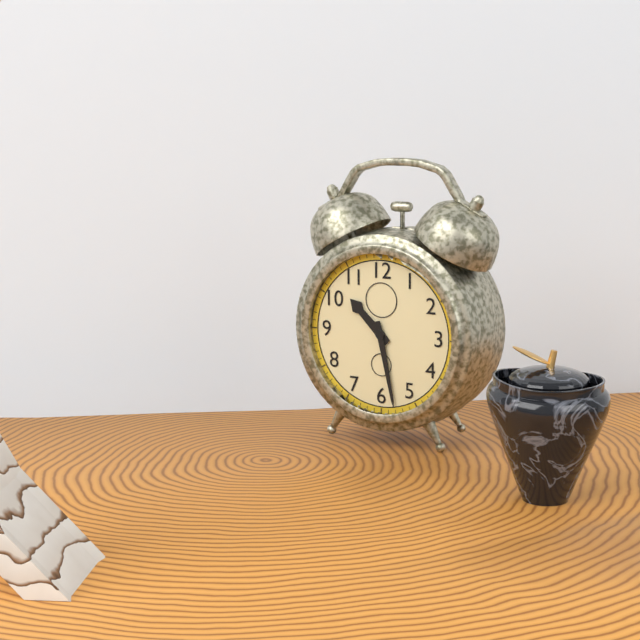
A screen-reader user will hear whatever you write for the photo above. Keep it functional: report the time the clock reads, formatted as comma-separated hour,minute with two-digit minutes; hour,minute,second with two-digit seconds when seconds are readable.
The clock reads 10,28
